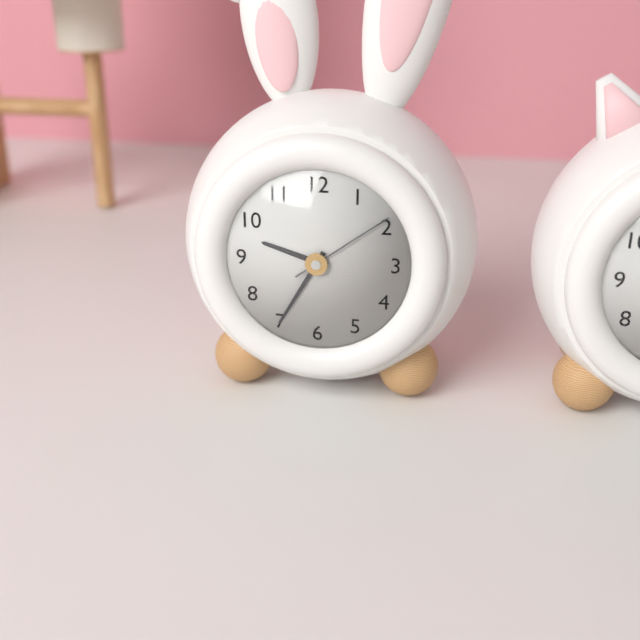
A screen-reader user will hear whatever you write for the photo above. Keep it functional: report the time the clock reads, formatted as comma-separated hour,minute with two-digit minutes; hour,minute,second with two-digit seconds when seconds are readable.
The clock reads 9,35,09
